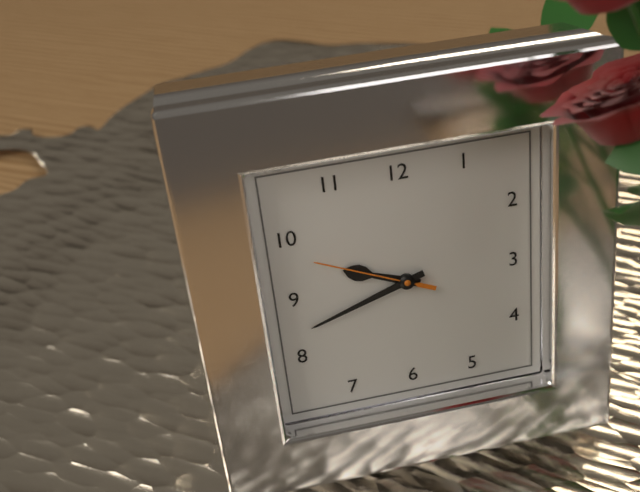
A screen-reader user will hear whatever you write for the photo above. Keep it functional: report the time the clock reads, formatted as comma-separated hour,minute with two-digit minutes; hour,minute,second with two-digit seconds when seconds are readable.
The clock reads 9,42,49
